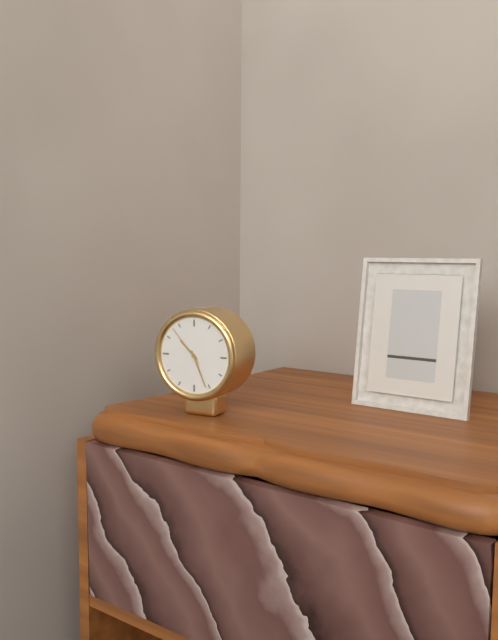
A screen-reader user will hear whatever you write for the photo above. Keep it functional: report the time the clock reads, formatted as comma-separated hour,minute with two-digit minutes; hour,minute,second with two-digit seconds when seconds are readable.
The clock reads 10,26,53
